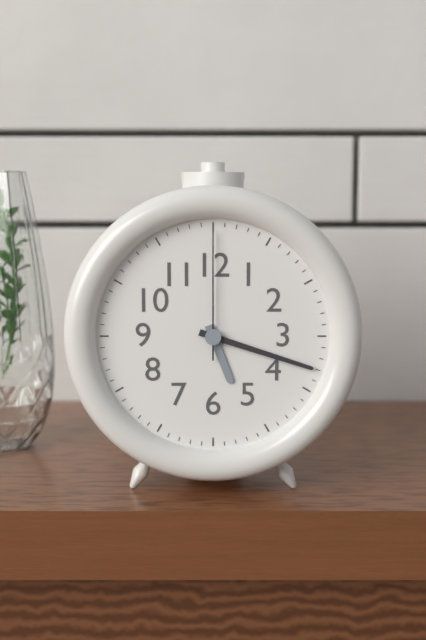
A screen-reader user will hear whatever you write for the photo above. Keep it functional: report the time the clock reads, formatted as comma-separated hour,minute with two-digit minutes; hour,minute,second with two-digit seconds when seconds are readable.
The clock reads 5,18,00
